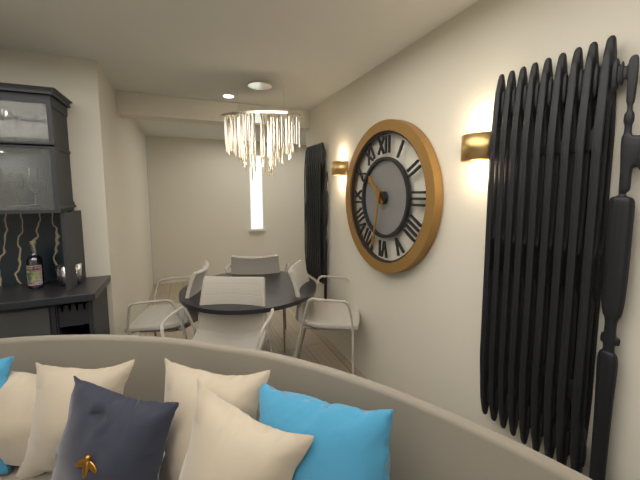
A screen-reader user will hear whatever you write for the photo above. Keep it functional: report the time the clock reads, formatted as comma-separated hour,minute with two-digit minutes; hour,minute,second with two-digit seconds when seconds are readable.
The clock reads 10,32
